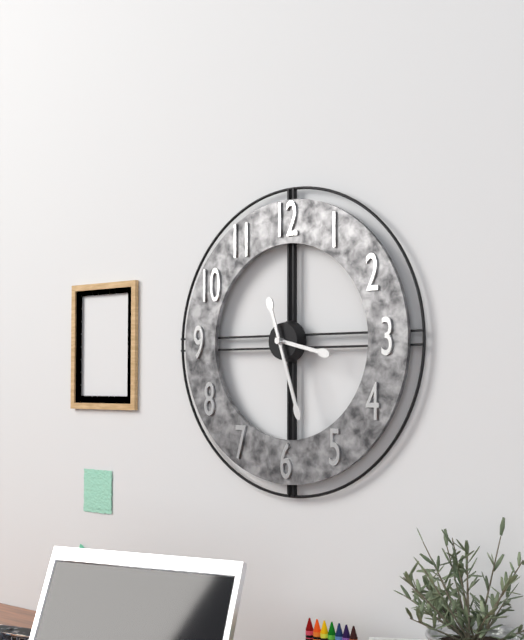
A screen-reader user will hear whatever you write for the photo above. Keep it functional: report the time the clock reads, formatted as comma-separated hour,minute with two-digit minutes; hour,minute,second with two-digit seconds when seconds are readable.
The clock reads 3,27
